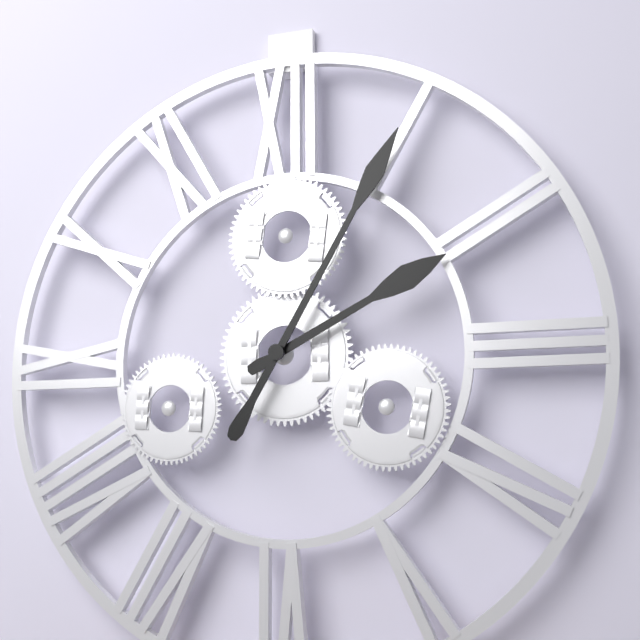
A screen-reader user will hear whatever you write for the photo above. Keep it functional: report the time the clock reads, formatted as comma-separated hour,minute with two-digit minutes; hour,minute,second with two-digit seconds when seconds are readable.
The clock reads 2,05
